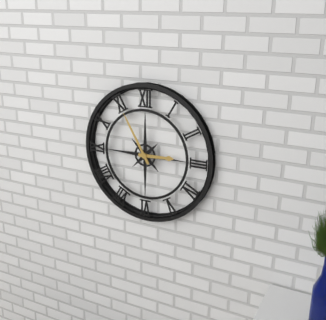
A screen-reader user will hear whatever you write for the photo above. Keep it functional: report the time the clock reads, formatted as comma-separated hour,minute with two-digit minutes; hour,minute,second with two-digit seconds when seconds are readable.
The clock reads 2,55
